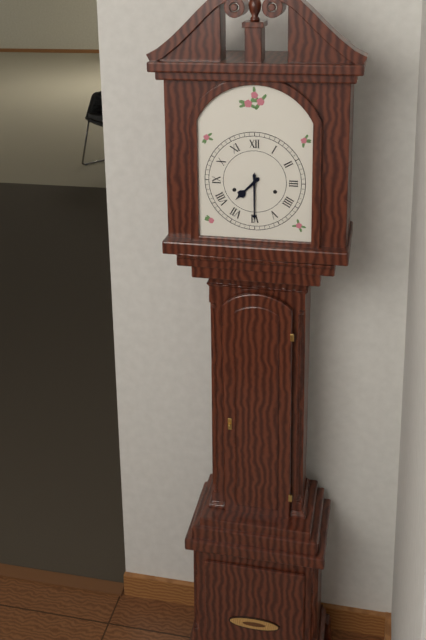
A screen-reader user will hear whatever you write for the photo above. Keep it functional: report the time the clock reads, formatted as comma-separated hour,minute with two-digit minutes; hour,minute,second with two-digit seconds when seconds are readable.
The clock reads 7,30
